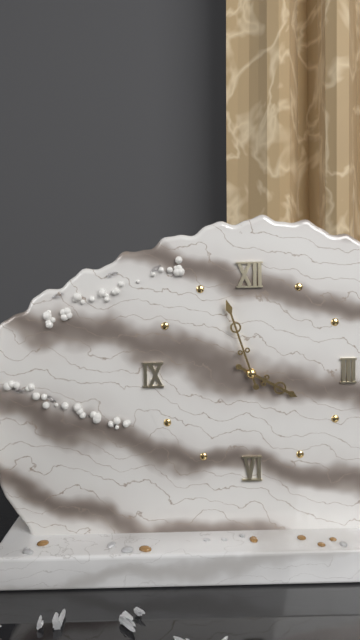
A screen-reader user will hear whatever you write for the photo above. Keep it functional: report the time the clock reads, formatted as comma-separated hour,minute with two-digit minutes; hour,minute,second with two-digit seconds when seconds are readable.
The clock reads 3,57
